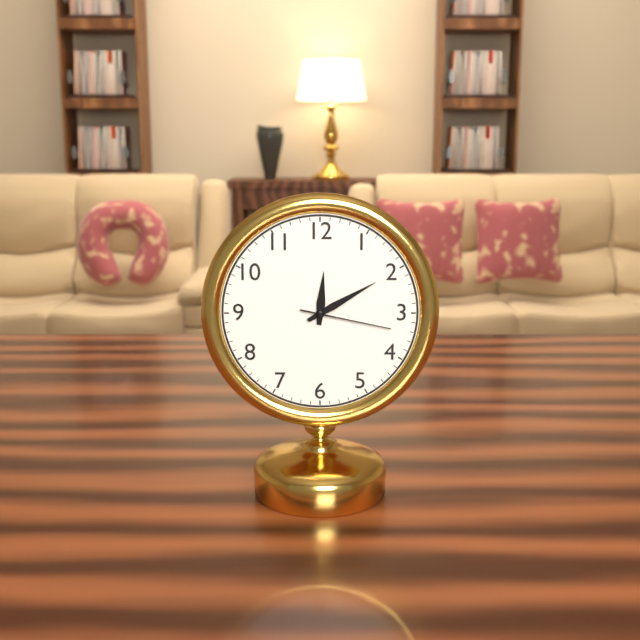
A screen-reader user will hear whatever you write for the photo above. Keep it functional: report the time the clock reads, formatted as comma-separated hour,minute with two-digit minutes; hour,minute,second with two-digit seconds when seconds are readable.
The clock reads 12,10,17
